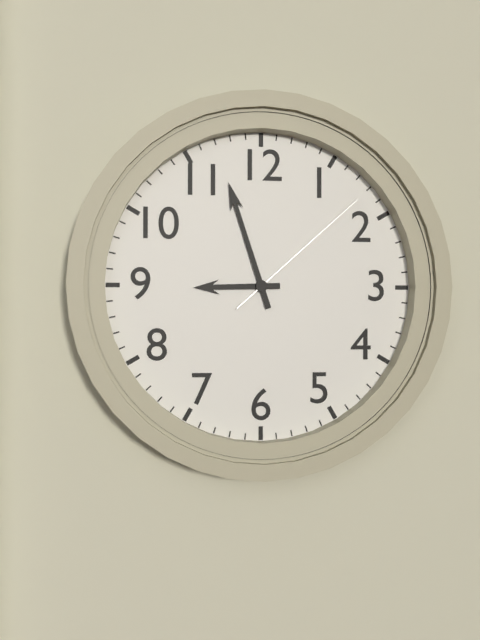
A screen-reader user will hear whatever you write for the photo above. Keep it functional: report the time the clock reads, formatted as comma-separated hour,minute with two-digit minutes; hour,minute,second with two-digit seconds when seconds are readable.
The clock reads 8,57,08
